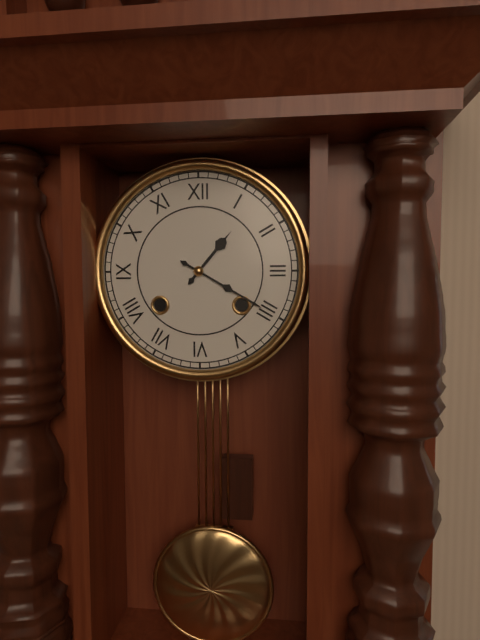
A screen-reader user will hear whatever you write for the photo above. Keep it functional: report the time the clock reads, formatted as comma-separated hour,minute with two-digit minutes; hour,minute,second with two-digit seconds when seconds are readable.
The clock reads 1,20
